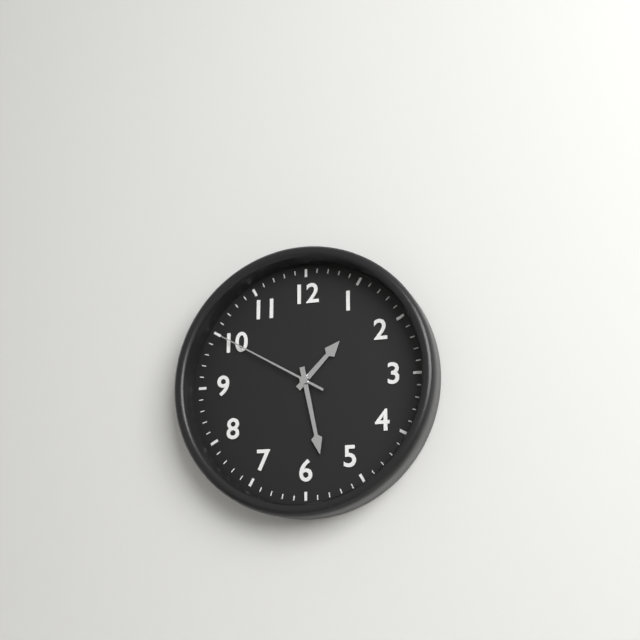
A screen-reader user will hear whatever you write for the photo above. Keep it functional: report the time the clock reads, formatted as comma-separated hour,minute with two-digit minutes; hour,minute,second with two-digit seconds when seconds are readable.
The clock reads 1,28,50
